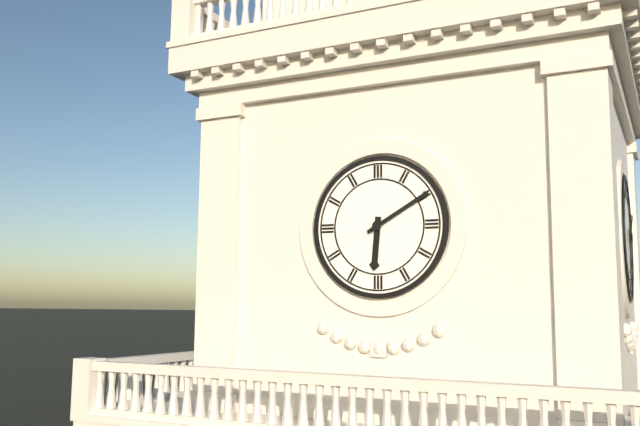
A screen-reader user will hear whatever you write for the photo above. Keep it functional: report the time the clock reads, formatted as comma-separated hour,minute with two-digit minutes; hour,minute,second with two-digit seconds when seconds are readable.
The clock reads 6,10
